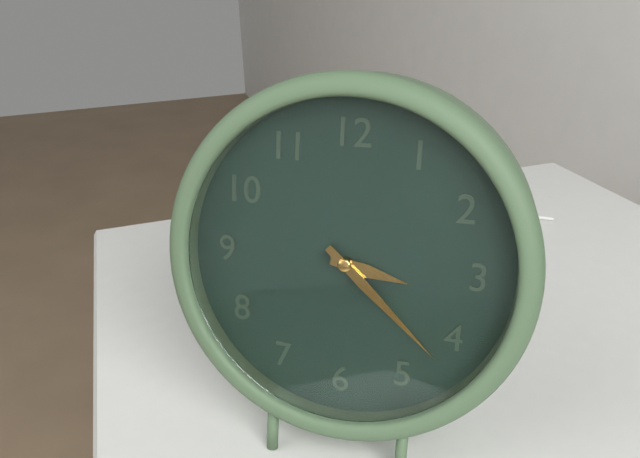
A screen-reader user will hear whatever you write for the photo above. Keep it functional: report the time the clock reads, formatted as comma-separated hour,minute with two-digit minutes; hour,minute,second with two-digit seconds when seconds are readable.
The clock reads 3,22
